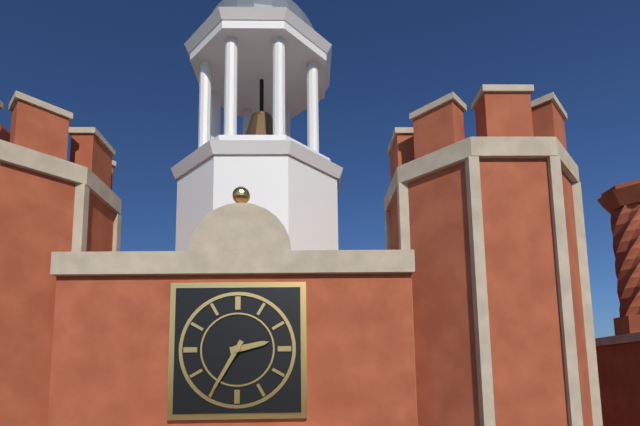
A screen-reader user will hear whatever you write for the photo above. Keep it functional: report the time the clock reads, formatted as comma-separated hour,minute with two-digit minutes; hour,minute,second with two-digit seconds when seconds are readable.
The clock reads 2,35
